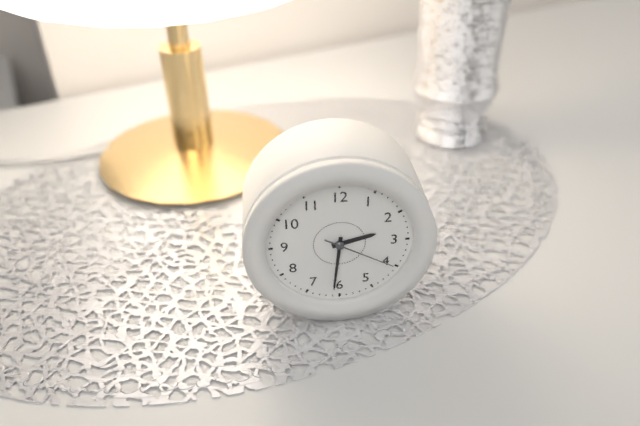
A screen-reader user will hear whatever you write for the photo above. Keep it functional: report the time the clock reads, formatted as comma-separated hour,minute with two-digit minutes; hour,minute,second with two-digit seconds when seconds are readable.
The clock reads 2,31,20
